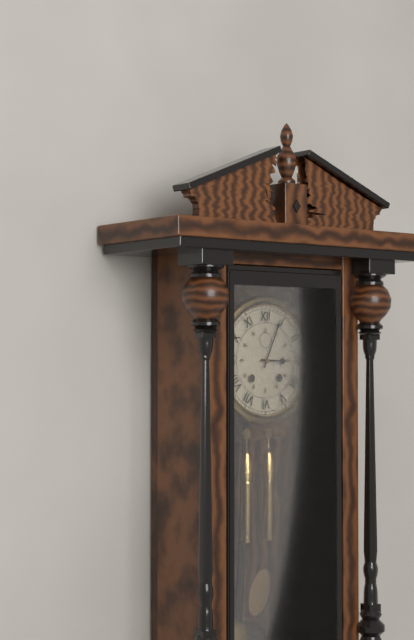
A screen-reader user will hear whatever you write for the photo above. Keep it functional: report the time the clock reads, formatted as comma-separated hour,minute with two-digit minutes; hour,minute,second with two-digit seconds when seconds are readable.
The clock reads 3,04
